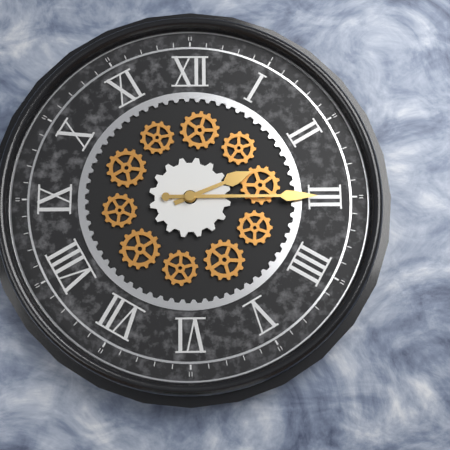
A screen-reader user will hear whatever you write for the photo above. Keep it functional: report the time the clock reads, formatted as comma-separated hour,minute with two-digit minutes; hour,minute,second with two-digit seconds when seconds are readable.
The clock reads 2,15
